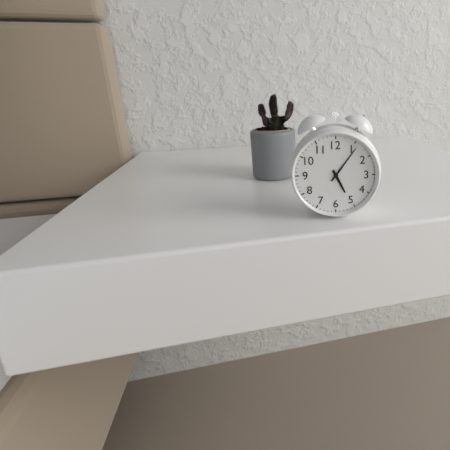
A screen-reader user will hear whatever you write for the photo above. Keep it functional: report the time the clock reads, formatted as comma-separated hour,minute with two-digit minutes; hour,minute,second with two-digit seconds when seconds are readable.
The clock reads 5,06
